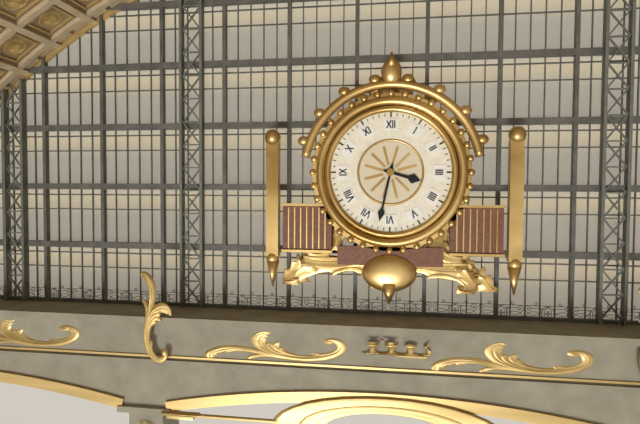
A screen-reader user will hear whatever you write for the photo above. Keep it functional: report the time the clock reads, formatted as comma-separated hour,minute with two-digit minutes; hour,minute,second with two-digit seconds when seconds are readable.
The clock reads 3,32
